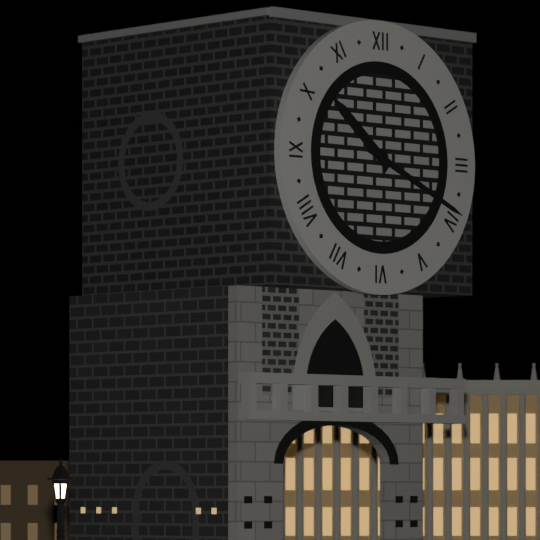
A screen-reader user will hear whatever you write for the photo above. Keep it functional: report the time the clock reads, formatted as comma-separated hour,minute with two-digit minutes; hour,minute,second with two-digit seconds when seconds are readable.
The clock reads 10,19
